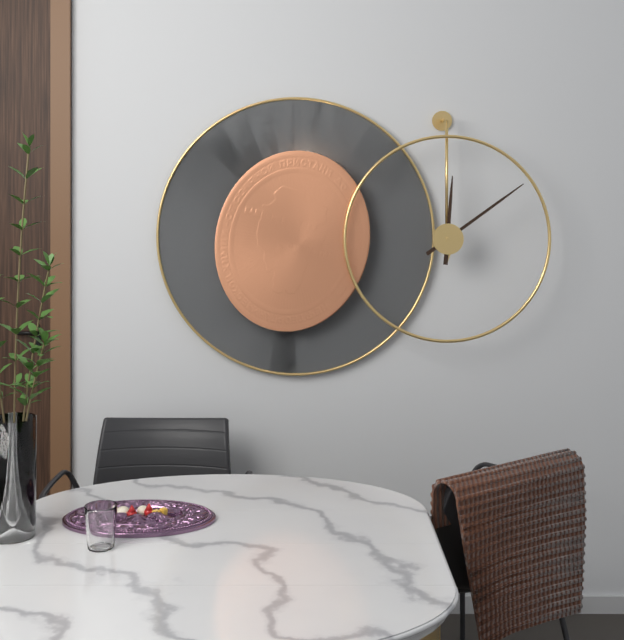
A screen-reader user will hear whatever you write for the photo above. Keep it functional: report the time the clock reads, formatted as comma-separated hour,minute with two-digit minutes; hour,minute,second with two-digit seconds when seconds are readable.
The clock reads 12,09
